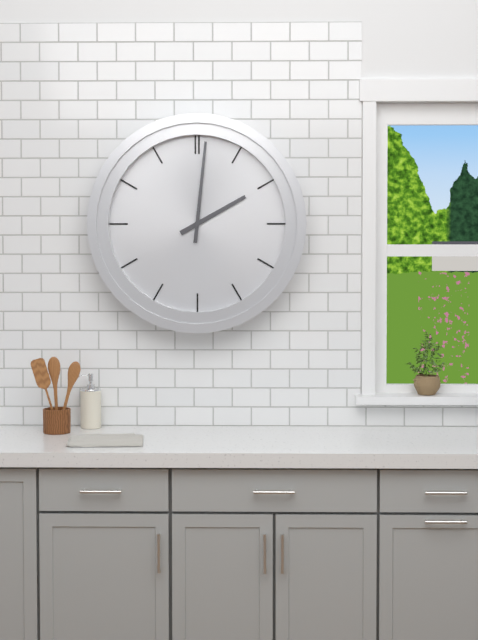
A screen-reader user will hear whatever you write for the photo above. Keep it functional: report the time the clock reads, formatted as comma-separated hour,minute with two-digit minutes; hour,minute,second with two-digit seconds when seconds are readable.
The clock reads 2,01
